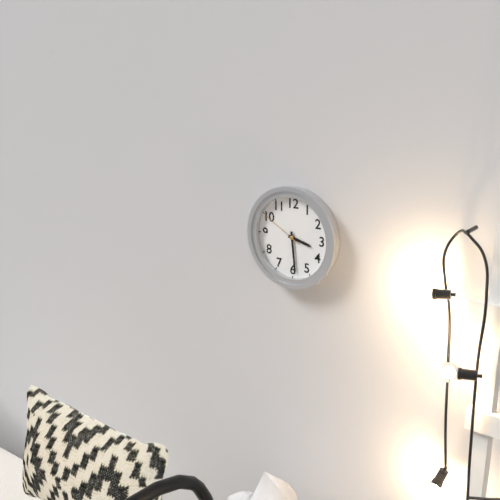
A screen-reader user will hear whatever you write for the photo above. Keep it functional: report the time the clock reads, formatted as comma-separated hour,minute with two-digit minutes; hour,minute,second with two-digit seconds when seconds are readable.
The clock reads 3,29
